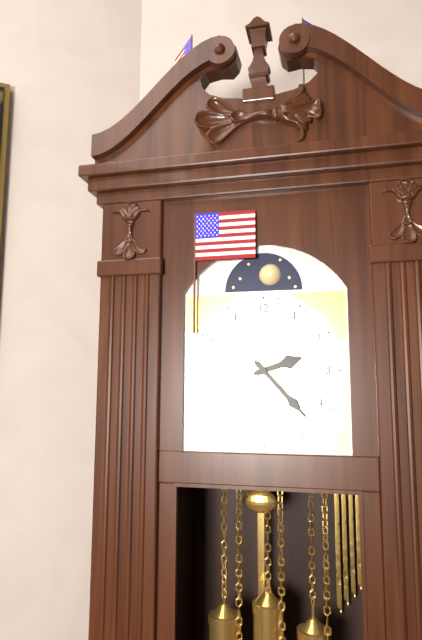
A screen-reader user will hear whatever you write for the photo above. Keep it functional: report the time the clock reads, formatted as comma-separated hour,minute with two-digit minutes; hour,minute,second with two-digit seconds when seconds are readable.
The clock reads 2,23
